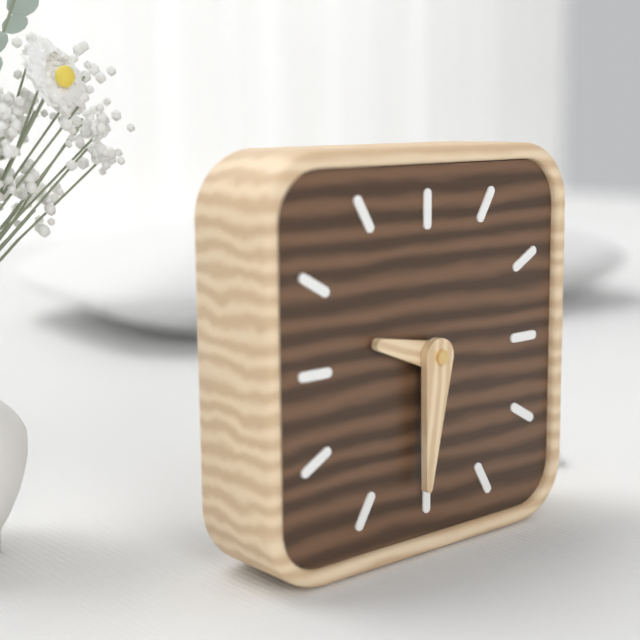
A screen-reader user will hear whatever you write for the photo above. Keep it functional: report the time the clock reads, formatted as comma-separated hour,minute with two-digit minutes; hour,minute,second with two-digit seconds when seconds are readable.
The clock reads 9,31
